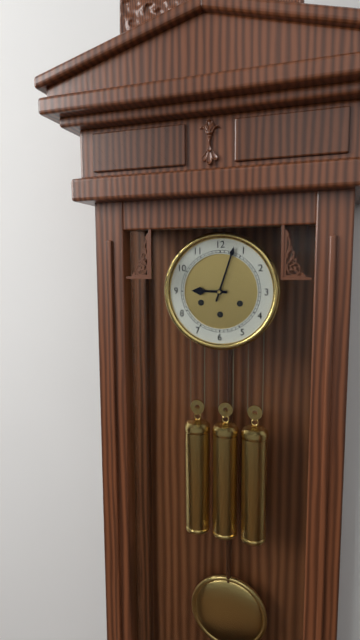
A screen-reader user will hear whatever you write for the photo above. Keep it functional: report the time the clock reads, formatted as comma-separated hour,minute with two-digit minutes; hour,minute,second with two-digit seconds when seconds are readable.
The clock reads 9,03
